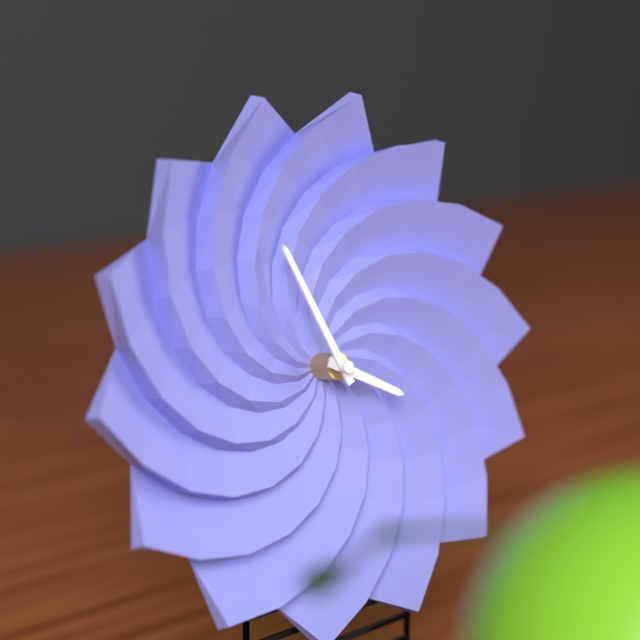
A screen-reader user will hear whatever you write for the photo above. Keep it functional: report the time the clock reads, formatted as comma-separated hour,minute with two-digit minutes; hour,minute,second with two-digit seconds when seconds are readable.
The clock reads 3,56
